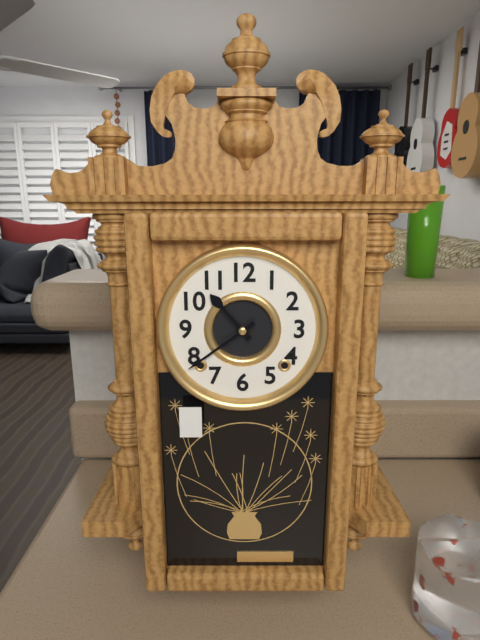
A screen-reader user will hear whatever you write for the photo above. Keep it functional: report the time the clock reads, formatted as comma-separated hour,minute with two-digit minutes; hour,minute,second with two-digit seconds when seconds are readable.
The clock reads 10,39
